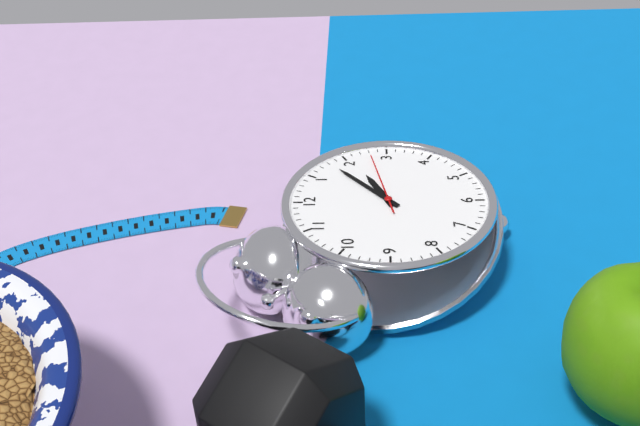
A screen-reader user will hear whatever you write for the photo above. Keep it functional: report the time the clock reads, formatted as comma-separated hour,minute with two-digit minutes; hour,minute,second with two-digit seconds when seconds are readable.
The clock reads 2,08,13
